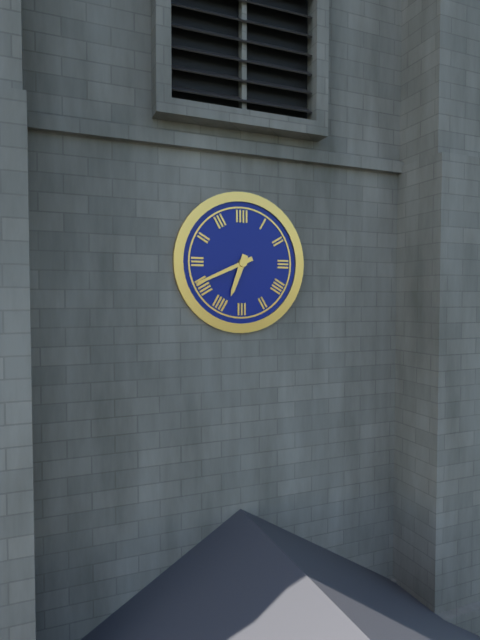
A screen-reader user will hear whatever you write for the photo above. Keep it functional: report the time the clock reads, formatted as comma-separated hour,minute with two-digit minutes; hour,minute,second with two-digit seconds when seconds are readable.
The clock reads 6,41
